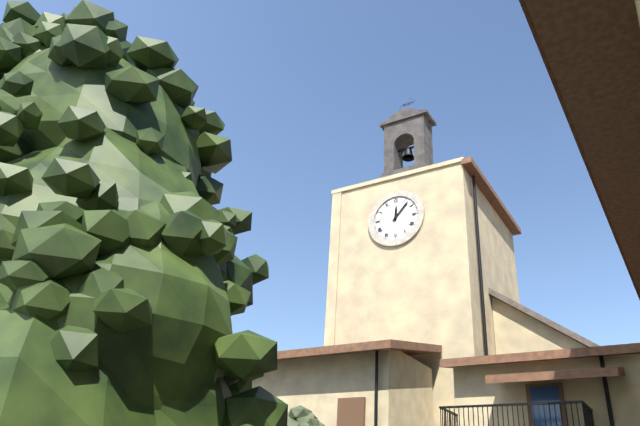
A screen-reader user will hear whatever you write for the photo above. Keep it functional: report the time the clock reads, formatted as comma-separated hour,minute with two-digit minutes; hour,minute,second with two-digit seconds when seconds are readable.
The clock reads 12,07
